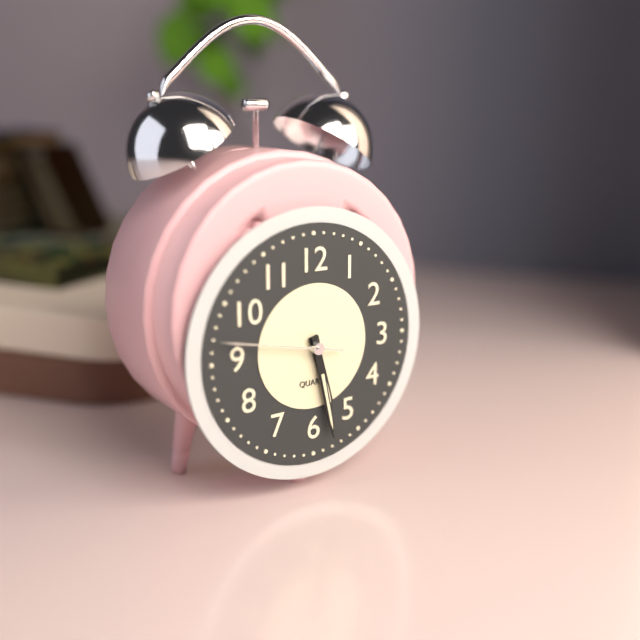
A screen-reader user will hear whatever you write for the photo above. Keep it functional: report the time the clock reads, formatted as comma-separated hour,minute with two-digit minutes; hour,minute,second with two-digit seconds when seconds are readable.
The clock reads 5,28,47
